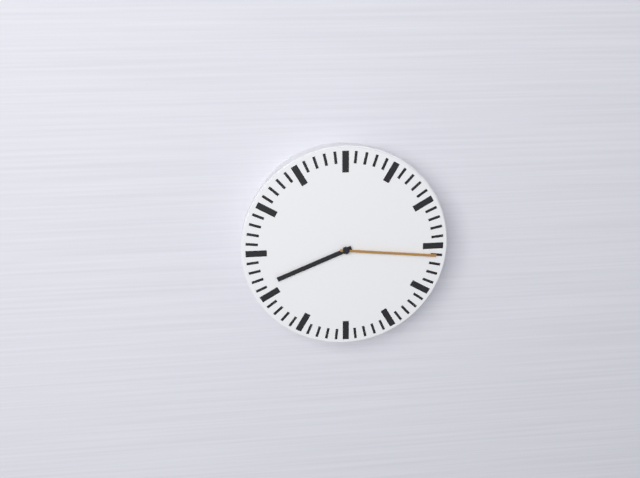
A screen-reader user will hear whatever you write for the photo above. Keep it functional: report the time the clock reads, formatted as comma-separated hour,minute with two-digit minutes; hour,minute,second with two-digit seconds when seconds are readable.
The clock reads 8,16
